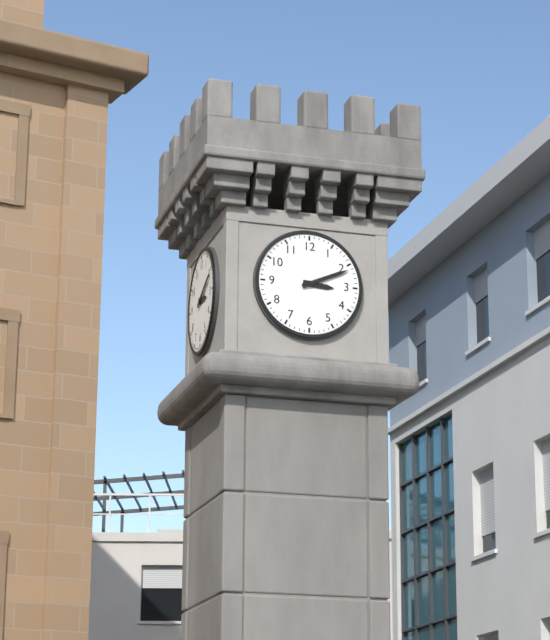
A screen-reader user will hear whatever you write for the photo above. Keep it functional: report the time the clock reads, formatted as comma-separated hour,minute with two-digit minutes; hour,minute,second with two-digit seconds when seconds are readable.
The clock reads 3,11
